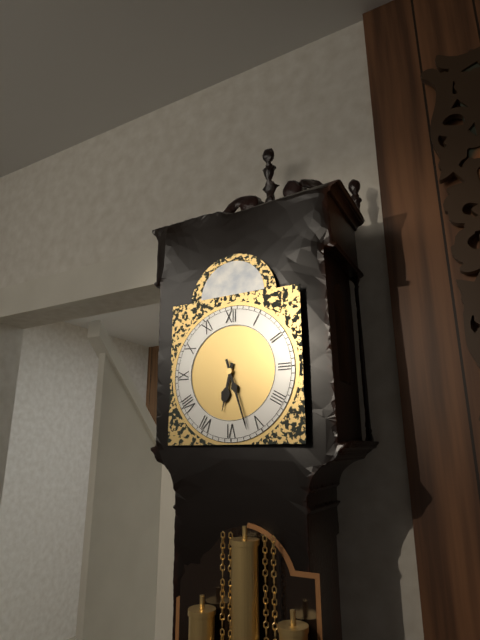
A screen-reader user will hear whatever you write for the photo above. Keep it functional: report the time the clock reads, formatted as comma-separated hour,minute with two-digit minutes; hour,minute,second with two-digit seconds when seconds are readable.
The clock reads 6,27
